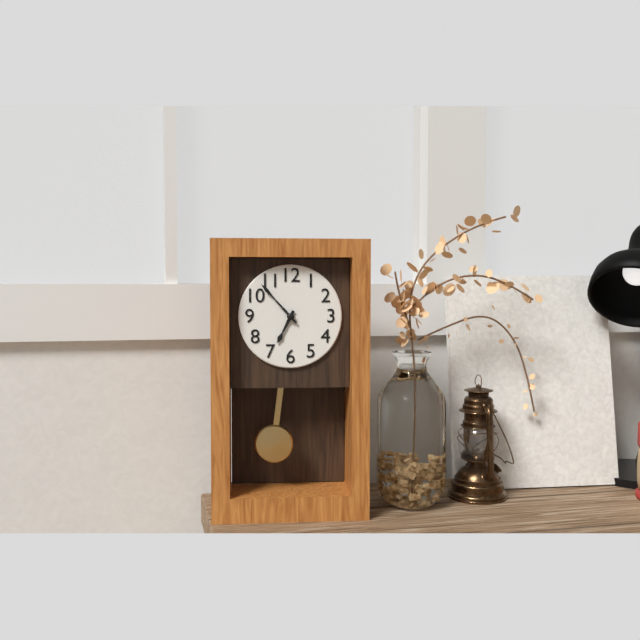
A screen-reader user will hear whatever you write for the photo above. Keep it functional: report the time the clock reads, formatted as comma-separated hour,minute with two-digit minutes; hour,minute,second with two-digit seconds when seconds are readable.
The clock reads 6,53
